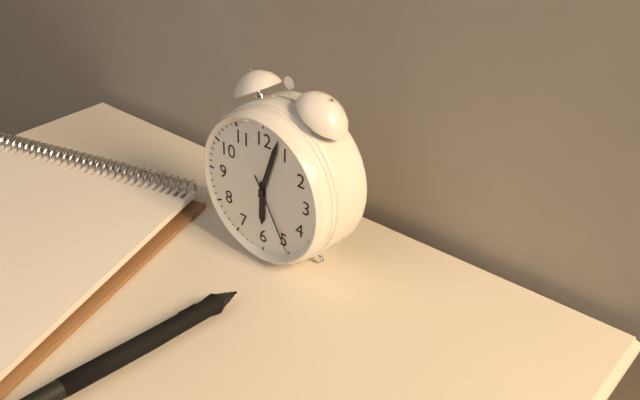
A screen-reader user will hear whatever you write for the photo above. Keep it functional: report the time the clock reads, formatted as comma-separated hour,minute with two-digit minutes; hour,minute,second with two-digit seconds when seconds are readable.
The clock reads 6,03,25
